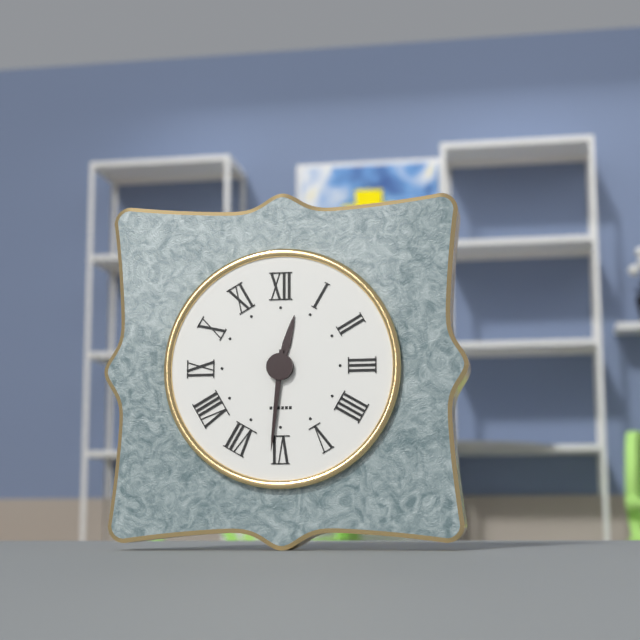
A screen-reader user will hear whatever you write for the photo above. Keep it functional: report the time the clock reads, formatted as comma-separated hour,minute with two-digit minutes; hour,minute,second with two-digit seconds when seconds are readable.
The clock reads 12,31
